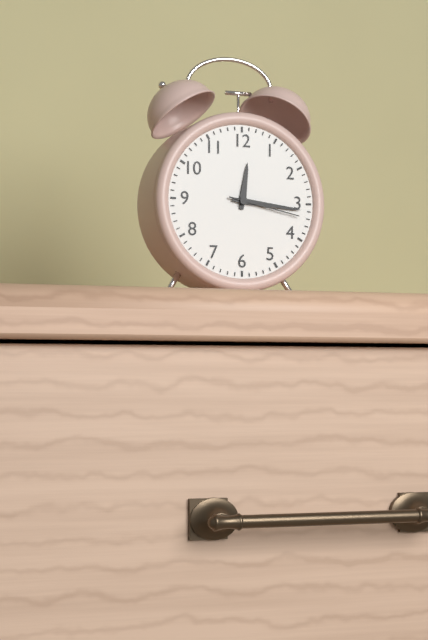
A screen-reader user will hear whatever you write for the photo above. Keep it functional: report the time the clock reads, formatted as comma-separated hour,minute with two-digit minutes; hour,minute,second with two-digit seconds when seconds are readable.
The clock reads 12,16,17
